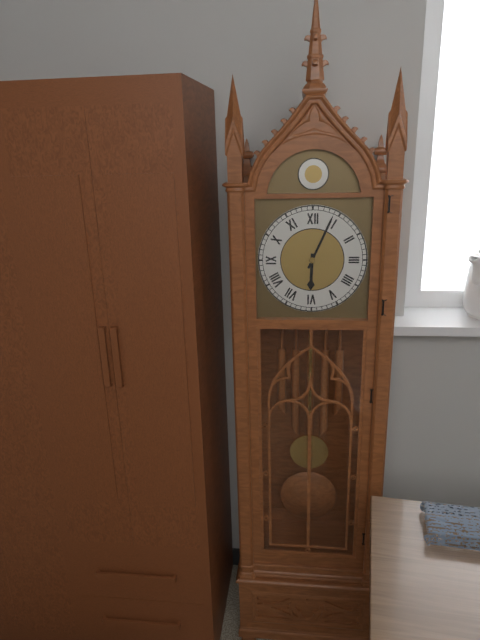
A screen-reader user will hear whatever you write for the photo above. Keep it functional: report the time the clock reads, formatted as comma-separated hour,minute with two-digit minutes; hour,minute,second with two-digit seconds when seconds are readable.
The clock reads 6,04
